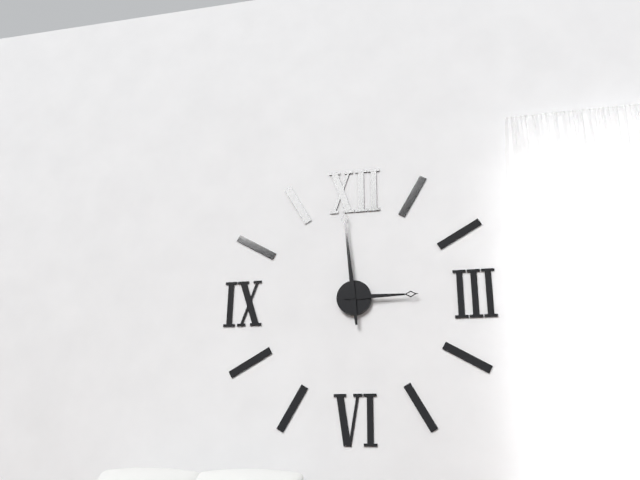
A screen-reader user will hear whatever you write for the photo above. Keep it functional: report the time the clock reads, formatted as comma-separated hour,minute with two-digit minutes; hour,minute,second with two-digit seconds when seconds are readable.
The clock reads 2,59
